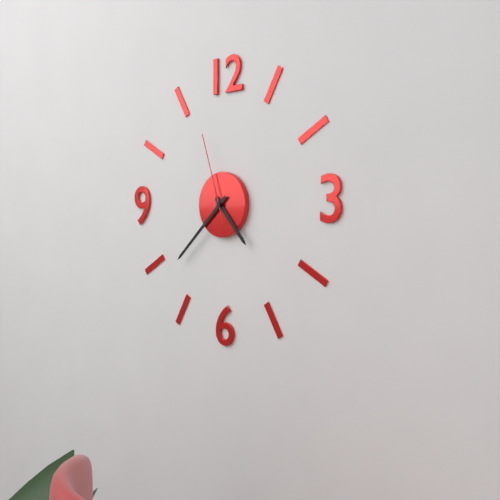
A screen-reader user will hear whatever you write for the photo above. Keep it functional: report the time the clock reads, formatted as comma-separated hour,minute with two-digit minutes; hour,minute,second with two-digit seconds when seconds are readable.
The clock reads 4,38,57
